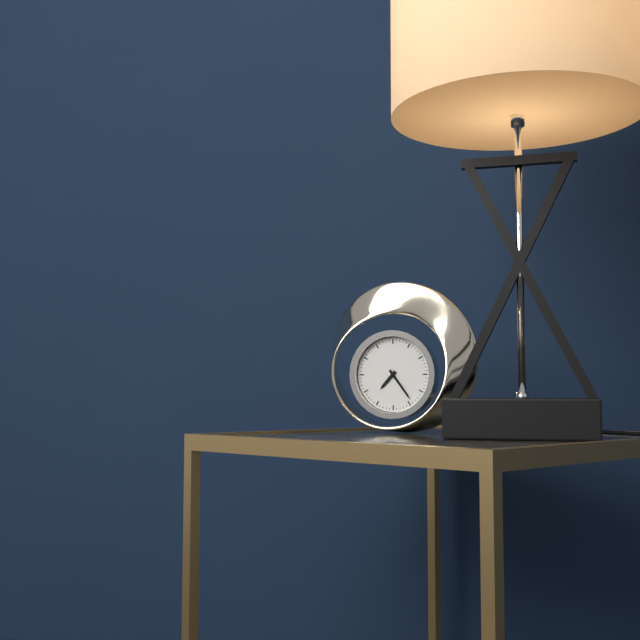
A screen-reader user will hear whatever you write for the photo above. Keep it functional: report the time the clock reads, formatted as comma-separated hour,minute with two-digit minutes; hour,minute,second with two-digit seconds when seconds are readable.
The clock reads 7,24
